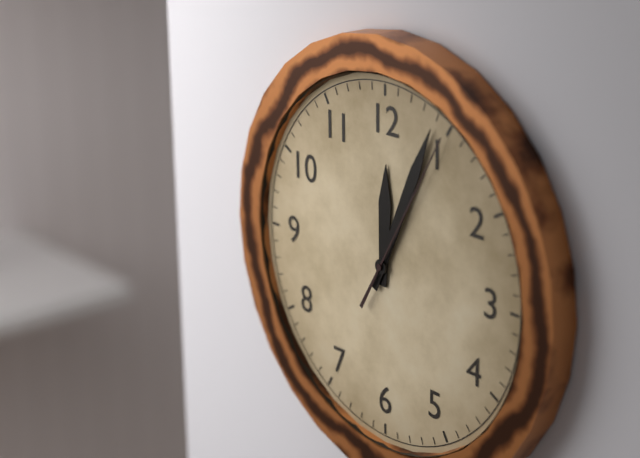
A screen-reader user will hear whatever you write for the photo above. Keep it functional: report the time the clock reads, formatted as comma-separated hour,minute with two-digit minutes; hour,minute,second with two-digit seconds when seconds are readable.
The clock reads 12,04,05
